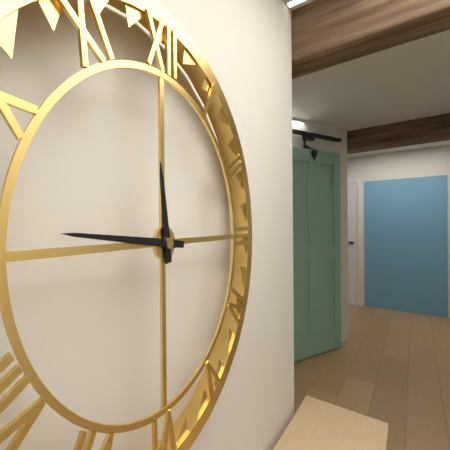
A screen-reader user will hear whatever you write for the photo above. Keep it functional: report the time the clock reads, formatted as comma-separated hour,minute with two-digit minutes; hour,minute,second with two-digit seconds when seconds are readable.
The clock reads 11,46
